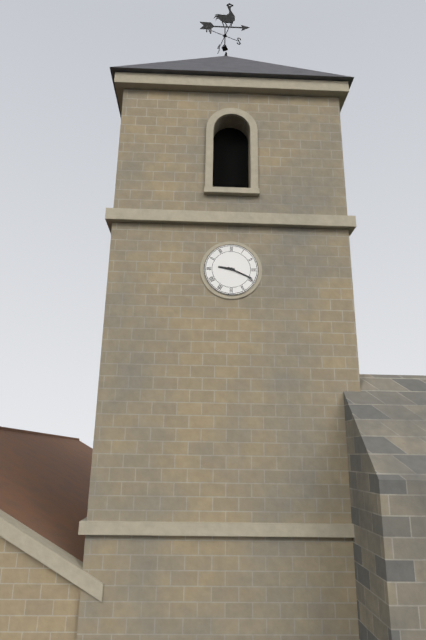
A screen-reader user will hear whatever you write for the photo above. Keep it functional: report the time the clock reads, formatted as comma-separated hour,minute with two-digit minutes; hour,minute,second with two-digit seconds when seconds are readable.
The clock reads 9,19
